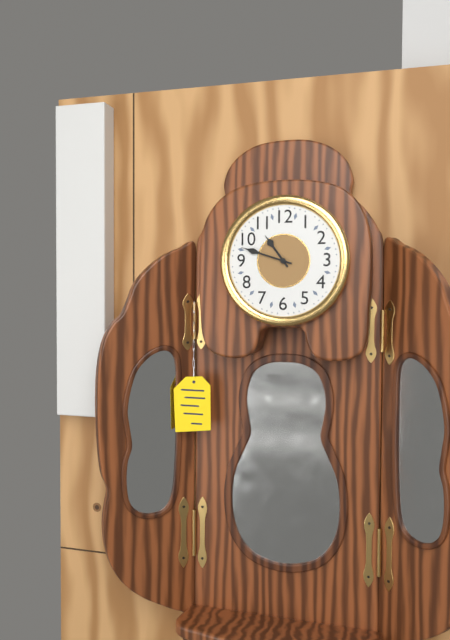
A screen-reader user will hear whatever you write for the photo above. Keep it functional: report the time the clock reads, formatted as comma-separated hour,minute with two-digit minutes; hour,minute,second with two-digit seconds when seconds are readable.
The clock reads 10,48
